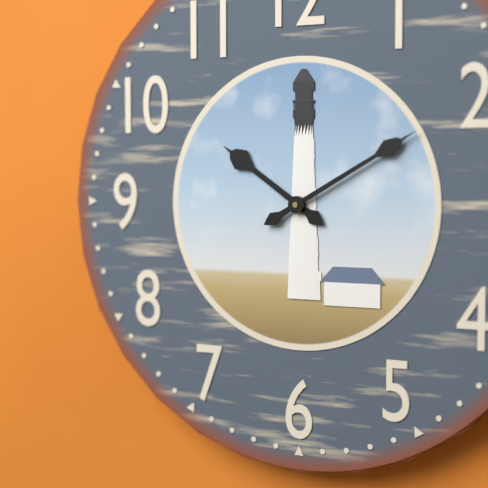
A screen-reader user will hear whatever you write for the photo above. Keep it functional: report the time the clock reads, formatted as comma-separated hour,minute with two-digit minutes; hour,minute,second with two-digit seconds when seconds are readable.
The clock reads 10,10
